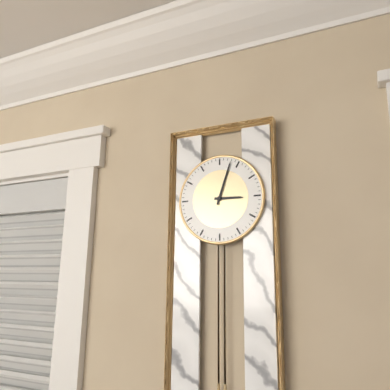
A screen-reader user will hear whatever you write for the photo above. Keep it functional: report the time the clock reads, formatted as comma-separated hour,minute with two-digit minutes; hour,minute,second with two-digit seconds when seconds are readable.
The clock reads 3,03
